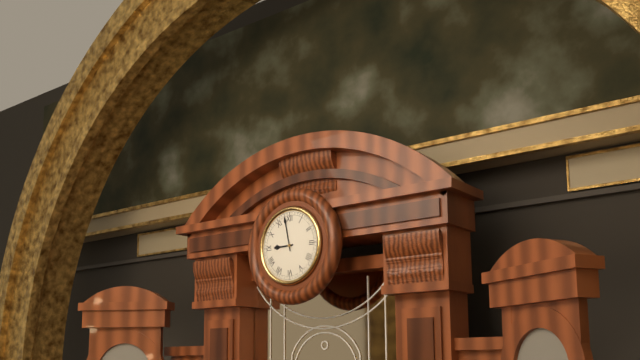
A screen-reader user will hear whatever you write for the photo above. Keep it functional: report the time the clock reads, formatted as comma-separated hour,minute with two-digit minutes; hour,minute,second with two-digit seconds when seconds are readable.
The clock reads 8,58
